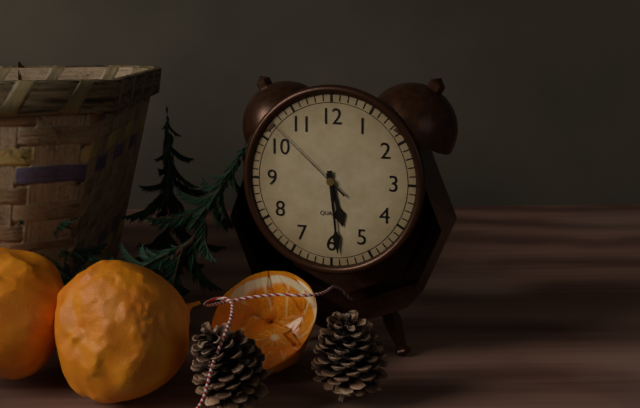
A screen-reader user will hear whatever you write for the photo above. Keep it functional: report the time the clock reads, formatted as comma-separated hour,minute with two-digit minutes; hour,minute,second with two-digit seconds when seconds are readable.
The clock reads 5,29,52
